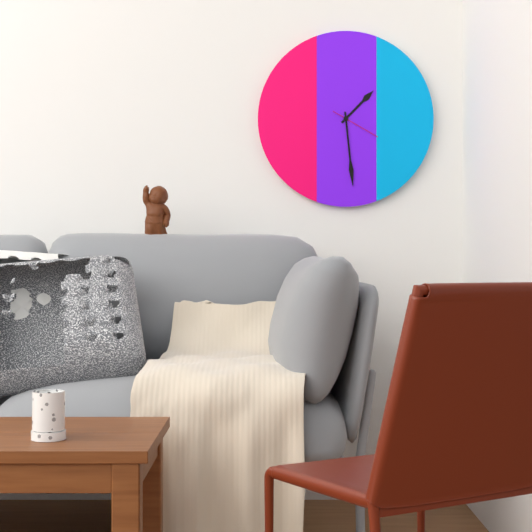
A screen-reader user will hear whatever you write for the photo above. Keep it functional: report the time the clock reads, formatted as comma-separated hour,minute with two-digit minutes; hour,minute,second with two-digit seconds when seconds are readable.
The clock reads 1,29
